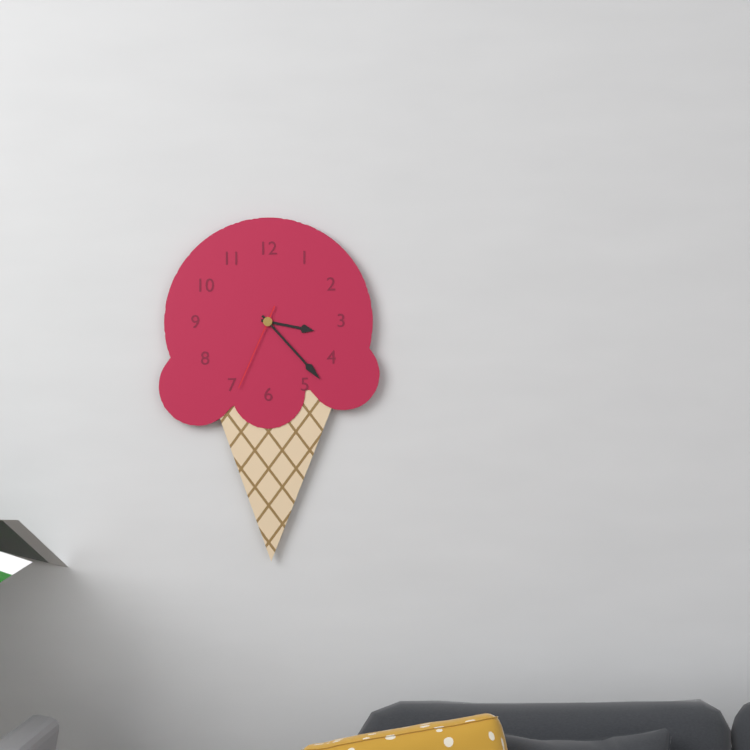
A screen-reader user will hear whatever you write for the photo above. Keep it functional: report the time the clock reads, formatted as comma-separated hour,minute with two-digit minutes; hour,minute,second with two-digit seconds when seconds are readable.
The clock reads 3,23,34
